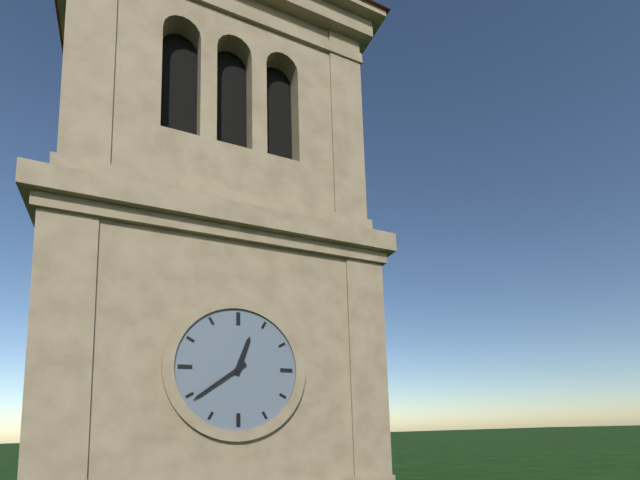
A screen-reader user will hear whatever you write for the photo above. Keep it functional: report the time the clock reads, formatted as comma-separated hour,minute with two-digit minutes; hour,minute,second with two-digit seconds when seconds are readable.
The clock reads 12,39
